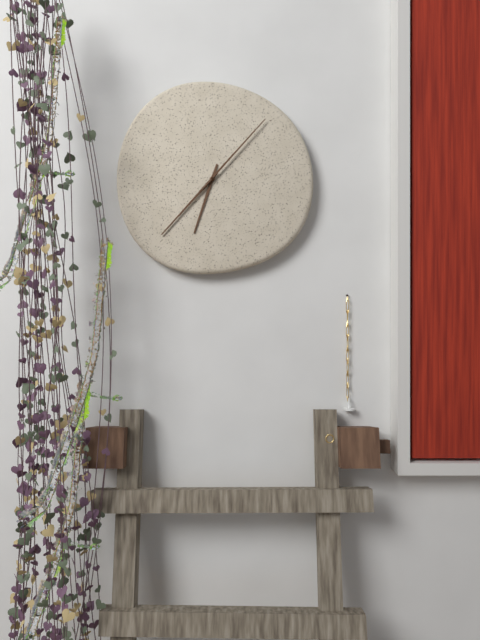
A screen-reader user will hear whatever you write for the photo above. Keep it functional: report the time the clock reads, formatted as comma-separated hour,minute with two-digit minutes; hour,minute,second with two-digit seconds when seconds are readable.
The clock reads 6,37,07
